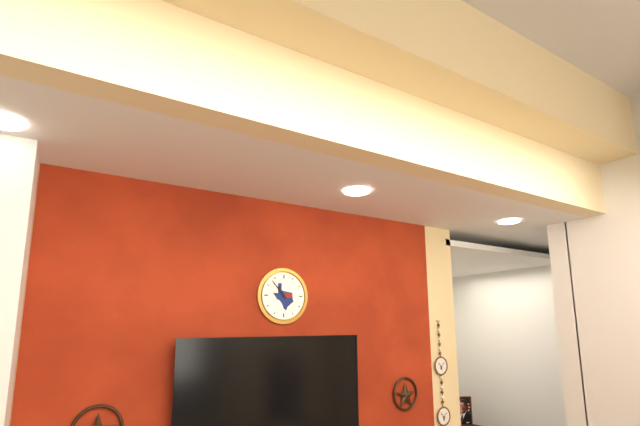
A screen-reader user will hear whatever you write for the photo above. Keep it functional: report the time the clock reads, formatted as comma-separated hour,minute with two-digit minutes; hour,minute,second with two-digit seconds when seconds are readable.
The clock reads 10,53
